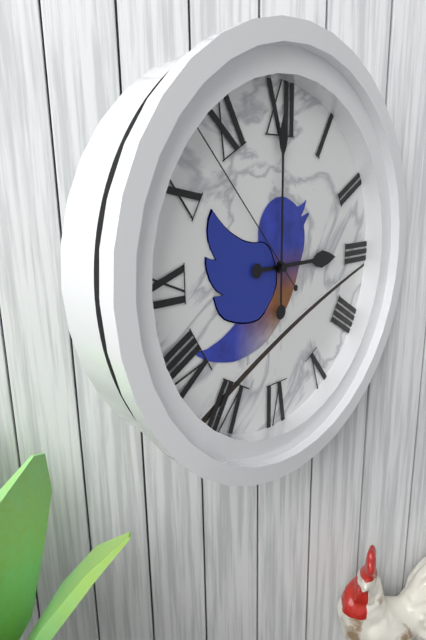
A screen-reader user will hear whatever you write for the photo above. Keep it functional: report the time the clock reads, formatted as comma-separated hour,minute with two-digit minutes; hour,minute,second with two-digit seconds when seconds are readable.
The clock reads 3,00,53
